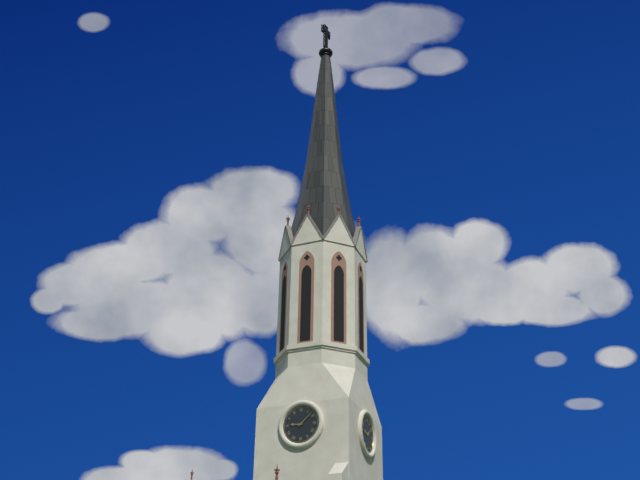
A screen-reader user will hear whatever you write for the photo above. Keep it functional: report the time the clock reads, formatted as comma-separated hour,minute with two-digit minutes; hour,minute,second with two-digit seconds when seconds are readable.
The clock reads 9,08
